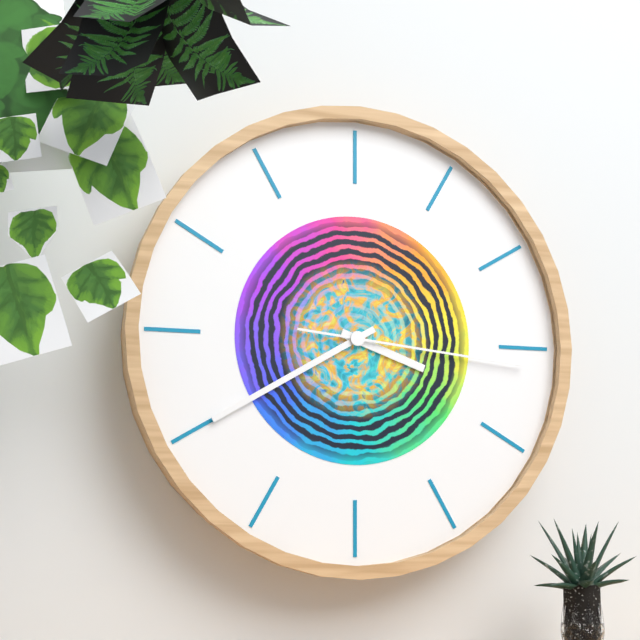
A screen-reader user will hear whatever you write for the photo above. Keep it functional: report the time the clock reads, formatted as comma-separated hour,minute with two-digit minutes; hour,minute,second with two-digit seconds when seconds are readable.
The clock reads 3,40,16
